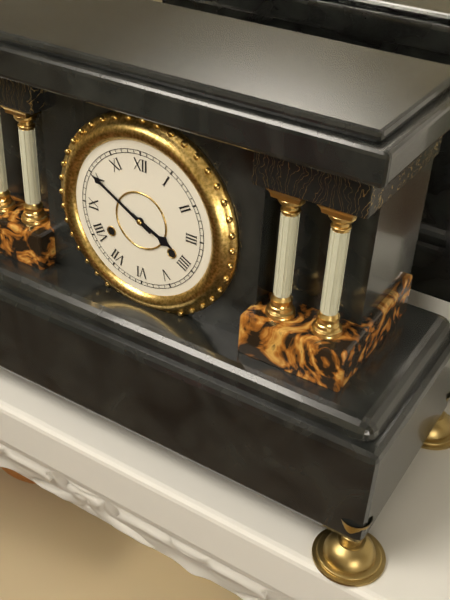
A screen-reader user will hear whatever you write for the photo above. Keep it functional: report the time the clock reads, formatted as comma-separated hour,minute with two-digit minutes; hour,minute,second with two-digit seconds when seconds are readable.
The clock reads 3,50
